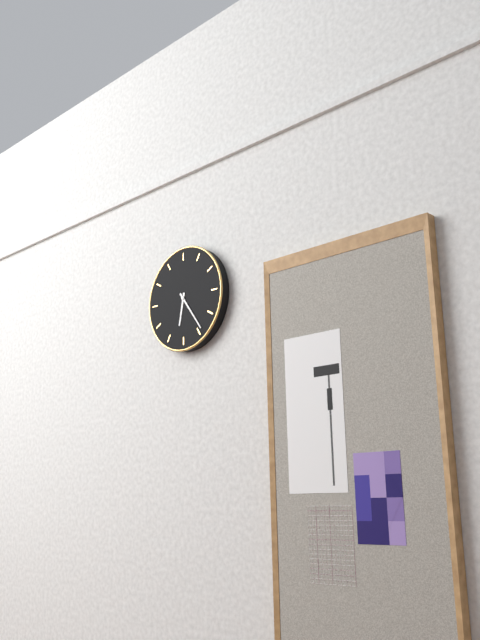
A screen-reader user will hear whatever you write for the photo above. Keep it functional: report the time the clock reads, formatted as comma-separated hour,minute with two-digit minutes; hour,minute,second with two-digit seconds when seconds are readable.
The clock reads 6,24
